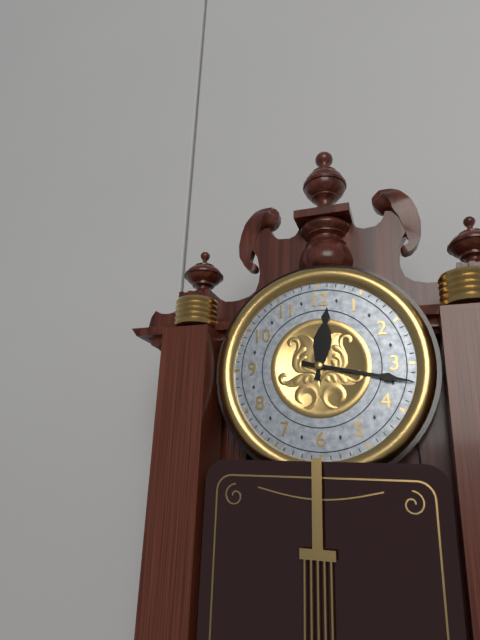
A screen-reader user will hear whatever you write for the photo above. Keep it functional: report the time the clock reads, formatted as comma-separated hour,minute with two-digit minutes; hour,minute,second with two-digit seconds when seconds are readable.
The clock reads 12,17
